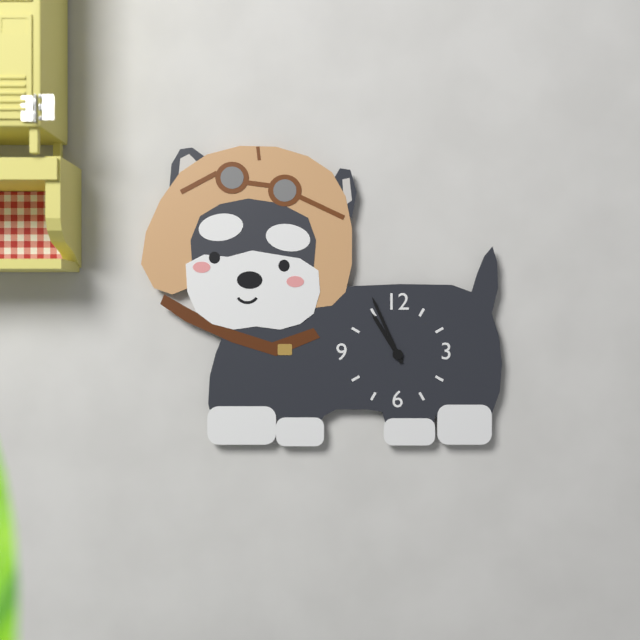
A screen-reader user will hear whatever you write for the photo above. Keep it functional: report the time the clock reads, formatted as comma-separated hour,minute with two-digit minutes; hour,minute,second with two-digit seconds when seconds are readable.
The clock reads 10,56
